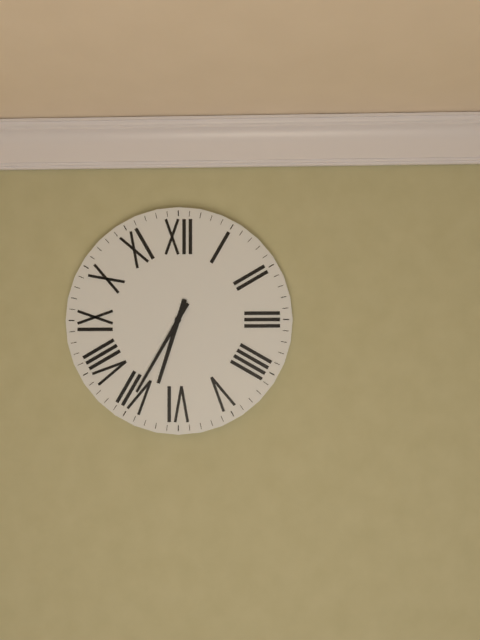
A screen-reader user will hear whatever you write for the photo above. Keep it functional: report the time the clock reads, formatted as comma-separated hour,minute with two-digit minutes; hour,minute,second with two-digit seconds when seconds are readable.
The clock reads 6,35
